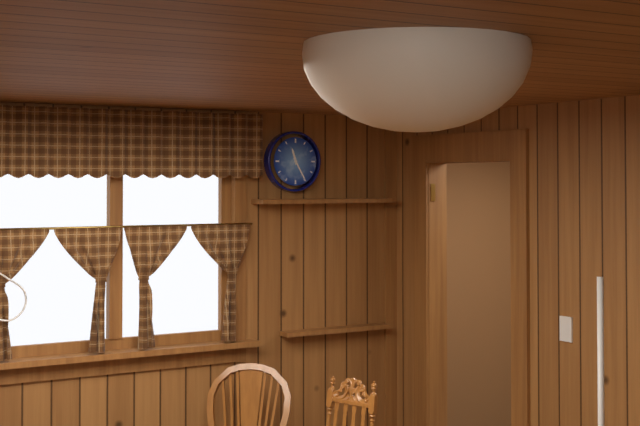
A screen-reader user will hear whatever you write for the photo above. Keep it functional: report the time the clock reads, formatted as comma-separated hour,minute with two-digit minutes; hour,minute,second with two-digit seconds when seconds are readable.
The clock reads 11,25
